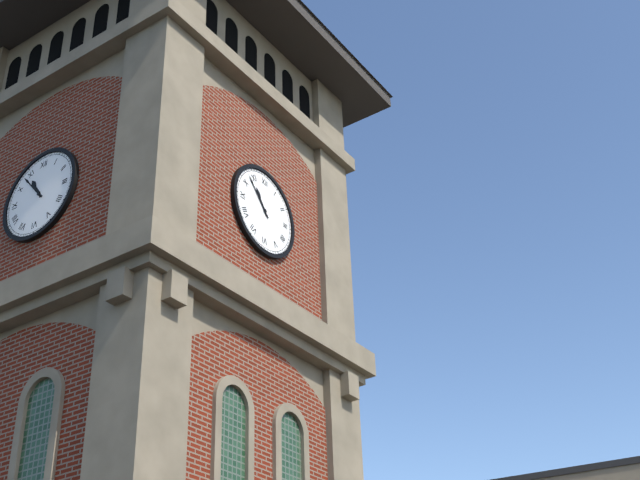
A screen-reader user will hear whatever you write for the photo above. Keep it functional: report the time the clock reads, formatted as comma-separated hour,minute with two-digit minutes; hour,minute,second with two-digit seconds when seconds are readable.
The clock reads 10,53
